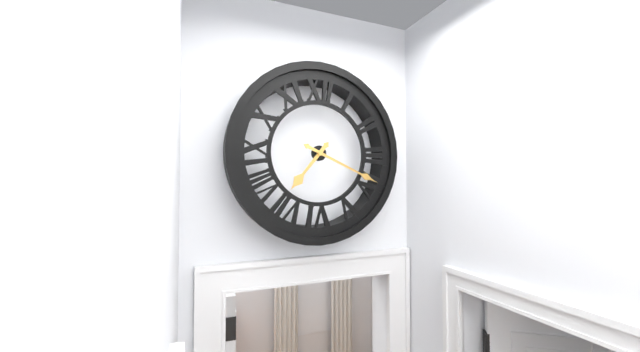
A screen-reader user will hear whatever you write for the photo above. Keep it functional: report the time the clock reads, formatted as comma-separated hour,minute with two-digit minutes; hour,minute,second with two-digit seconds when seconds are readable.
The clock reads 7,19
